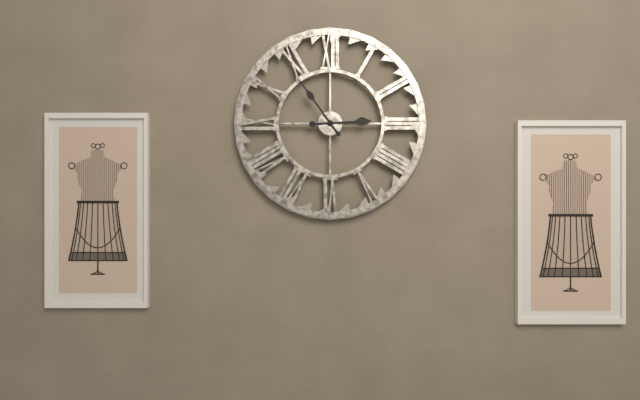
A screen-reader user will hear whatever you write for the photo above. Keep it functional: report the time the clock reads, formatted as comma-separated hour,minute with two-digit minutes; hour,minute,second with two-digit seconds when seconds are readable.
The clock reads 2,54
